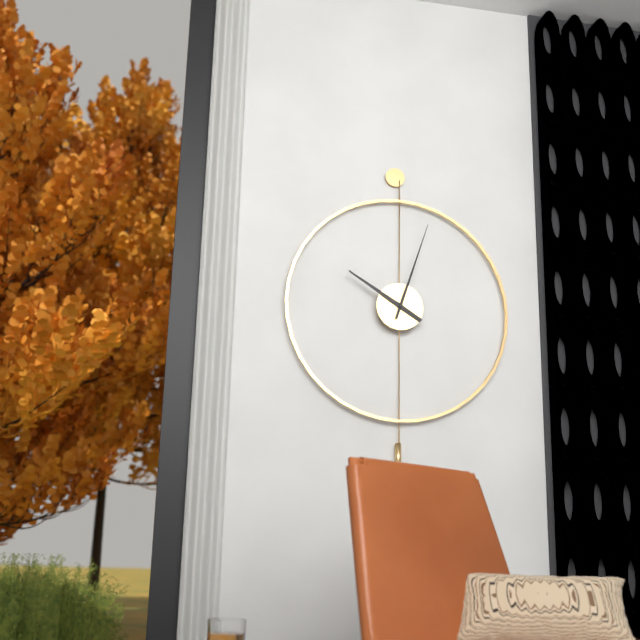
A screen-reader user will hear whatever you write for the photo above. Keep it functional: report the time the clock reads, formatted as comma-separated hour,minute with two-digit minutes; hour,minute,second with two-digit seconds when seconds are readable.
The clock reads 10,03
